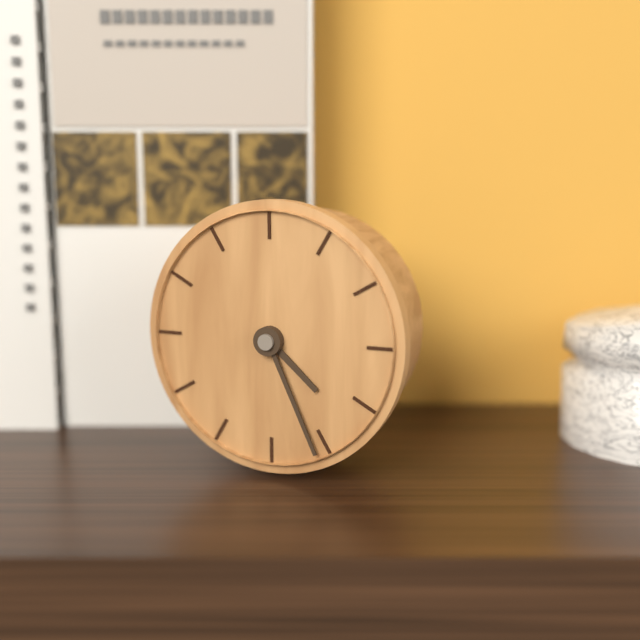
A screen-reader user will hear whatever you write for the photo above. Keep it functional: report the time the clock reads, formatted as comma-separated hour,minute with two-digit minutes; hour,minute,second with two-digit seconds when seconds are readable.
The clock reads 4,26
